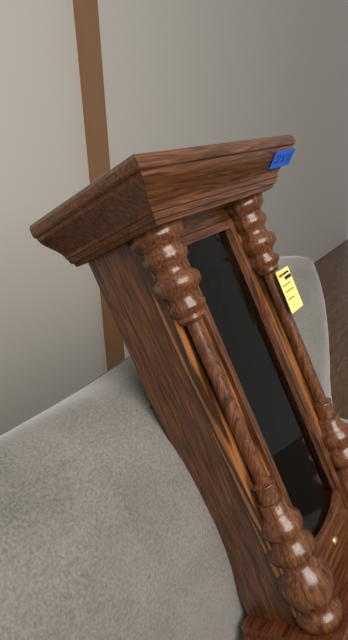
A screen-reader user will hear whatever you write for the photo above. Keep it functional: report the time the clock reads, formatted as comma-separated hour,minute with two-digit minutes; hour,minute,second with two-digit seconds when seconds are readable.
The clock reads 10,09
